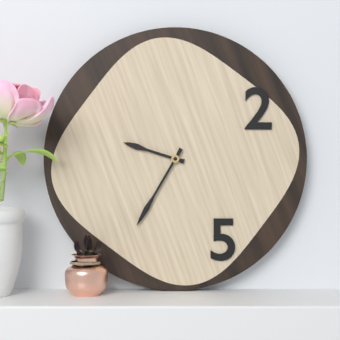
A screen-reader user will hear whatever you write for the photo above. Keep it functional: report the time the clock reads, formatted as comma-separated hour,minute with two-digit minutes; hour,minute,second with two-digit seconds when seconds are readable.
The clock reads 9,35
